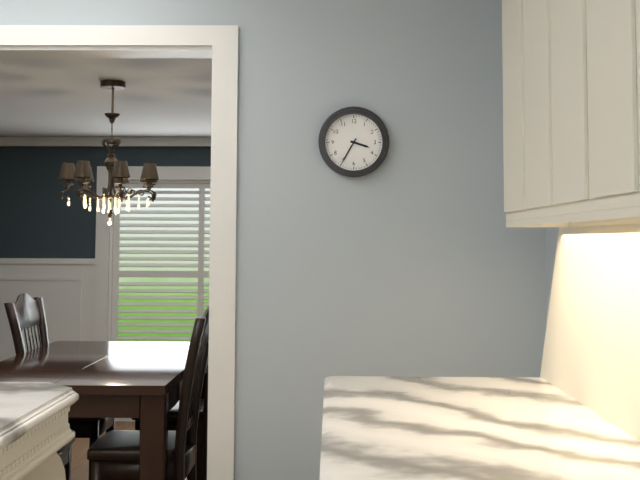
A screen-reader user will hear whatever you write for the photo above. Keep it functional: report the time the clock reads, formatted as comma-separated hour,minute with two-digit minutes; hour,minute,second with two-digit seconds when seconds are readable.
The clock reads 3,35
